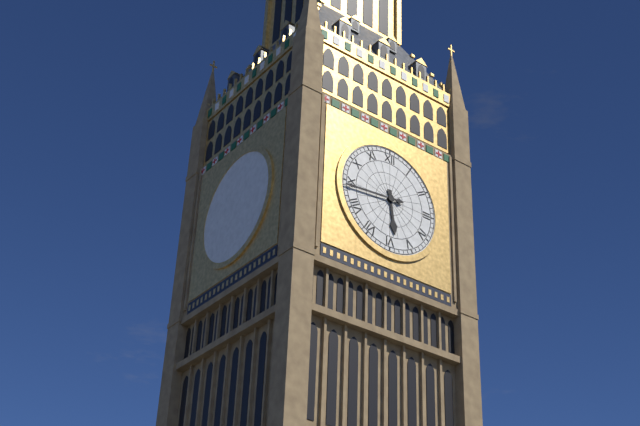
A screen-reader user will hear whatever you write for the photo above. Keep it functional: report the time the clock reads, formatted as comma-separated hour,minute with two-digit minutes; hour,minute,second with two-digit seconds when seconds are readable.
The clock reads 5,44
